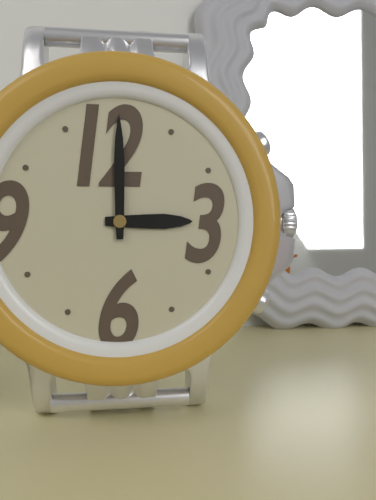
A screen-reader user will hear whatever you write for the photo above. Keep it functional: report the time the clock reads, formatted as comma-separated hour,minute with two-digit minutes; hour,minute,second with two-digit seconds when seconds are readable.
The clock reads 3,00
